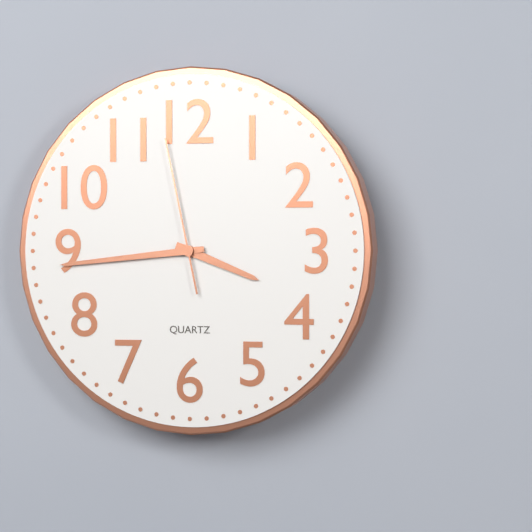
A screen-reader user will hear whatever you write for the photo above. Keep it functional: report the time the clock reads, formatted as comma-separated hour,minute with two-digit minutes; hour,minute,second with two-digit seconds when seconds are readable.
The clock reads 3,44,58
